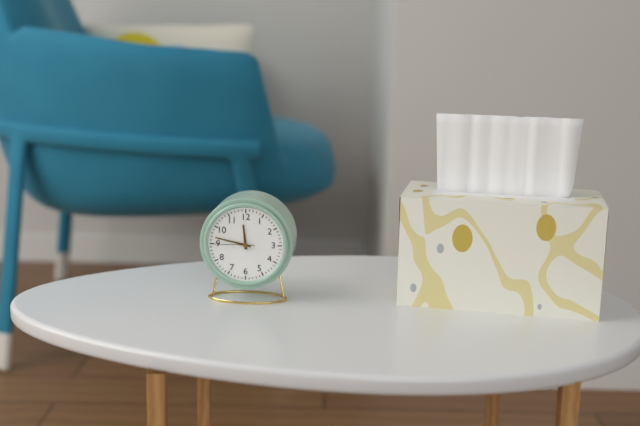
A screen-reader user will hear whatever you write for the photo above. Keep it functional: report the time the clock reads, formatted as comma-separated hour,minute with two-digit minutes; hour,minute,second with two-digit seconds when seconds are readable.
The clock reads 11,47
